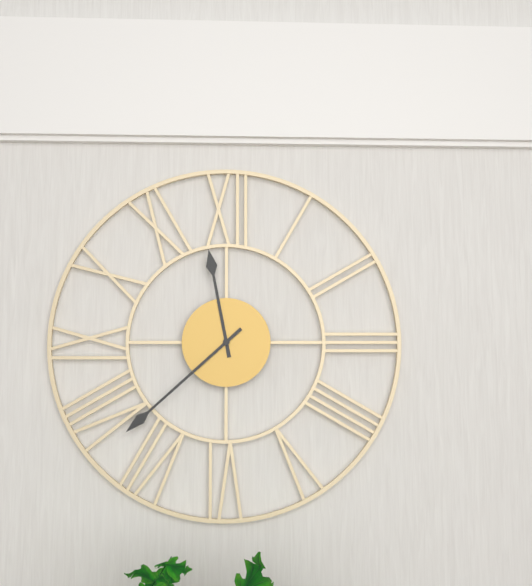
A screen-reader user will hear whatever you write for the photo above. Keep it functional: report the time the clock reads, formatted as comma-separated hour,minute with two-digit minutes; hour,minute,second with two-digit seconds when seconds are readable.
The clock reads 11,38
